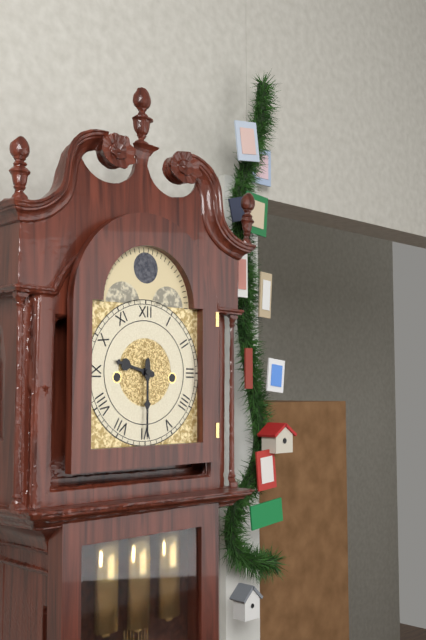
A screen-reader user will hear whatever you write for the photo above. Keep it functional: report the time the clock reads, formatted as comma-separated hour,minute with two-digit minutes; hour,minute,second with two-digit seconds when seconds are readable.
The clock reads 9,30
